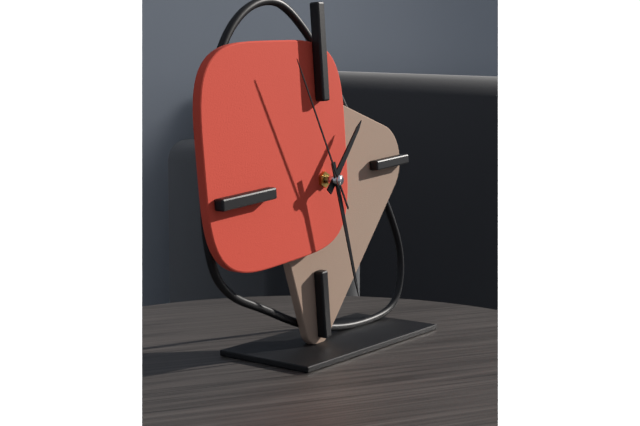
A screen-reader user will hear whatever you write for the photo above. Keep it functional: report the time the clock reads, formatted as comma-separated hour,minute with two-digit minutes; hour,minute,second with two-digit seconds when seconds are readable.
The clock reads 1,28,56
